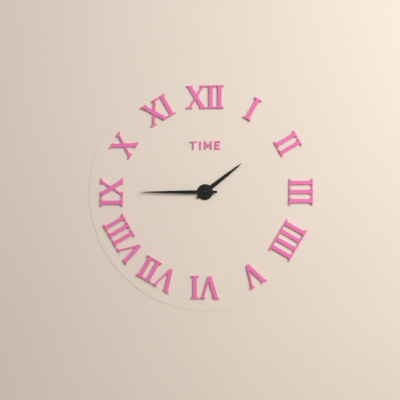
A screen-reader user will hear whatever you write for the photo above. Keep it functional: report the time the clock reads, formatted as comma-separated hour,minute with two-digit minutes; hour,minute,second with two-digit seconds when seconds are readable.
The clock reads 1,45
